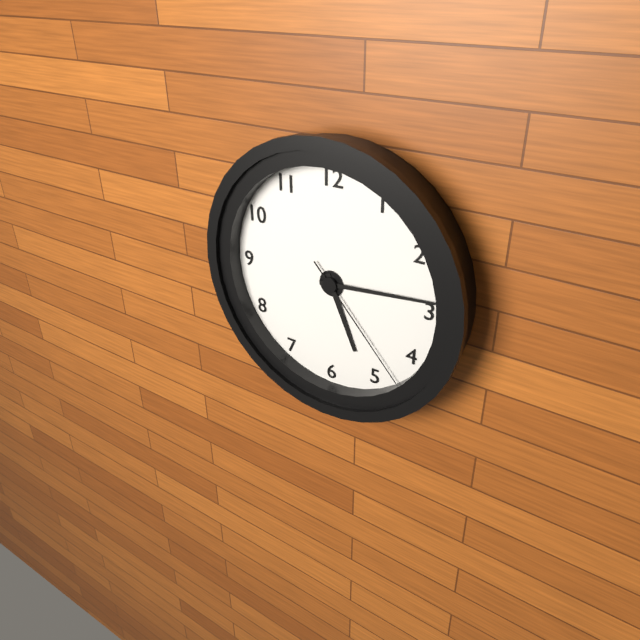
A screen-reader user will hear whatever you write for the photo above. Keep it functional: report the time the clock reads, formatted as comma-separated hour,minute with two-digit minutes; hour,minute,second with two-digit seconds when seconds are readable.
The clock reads 5,14,23
